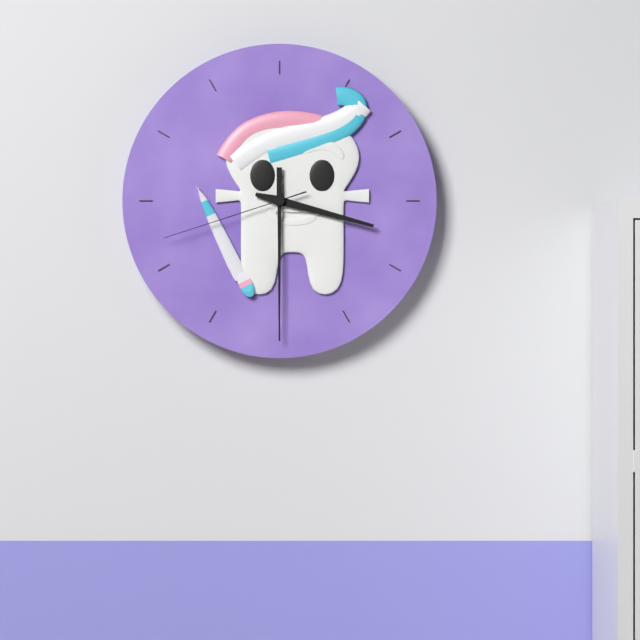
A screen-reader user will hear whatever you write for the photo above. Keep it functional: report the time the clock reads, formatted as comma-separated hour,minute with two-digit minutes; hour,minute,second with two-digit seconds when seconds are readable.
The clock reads 3,30,42
